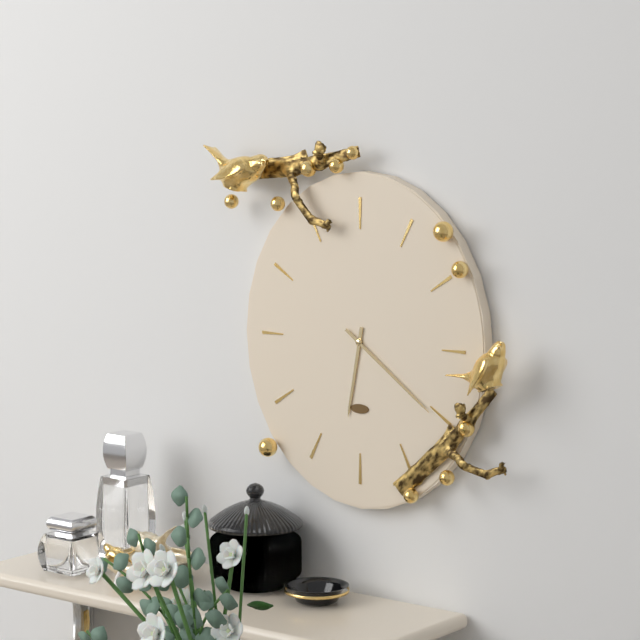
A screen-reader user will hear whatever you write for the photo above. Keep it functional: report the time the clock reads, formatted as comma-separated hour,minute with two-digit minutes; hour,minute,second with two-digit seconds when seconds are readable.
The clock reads 6,21
